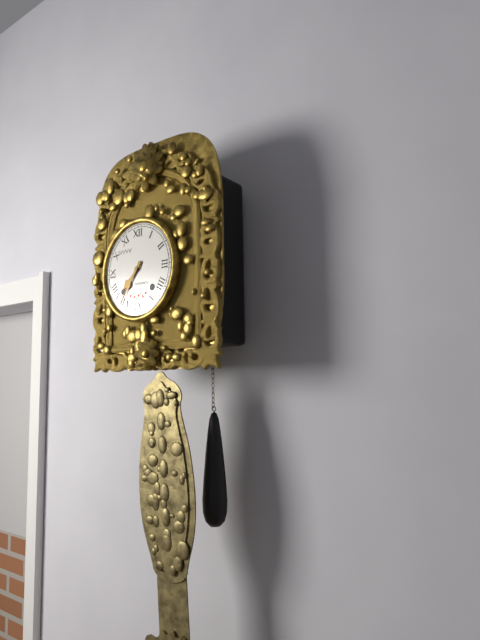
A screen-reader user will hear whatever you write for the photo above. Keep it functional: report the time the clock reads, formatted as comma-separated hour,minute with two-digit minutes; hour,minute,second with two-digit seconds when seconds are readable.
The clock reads 7,36
